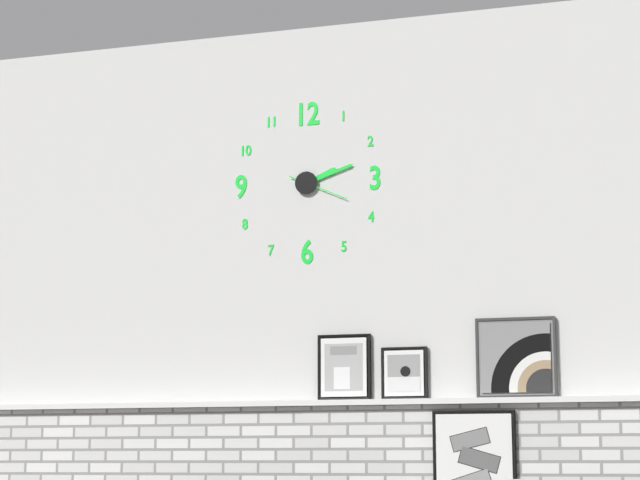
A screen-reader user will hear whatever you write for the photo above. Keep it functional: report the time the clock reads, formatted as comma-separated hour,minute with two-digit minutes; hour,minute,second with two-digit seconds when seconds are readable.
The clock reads 2,12,19
